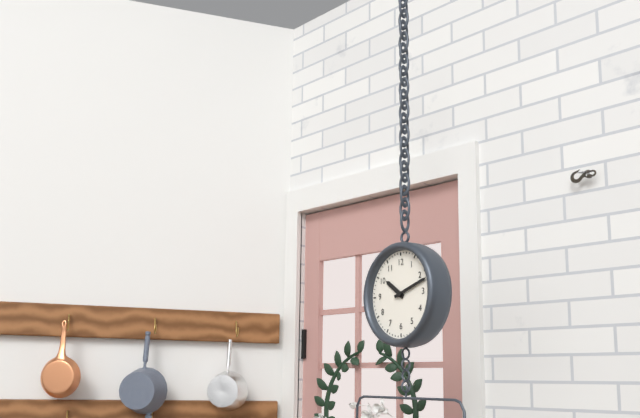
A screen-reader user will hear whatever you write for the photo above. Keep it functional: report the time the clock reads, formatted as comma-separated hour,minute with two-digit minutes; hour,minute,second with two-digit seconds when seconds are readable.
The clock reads 10,12
